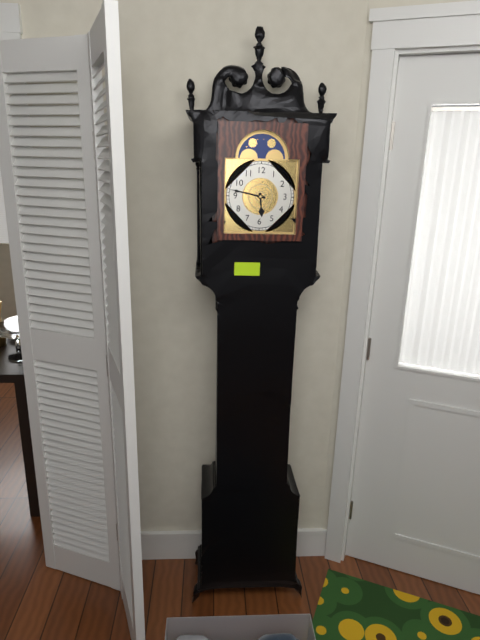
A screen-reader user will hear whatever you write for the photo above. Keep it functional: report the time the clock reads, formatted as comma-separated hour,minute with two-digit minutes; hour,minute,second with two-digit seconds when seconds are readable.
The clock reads 5,47
